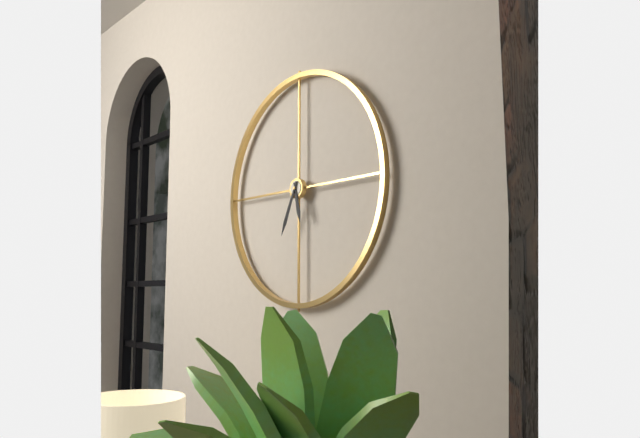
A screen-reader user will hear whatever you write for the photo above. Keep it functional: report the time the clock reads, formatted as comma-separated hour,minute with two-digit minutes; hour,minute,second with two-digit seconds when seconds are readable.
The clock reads 5,34
